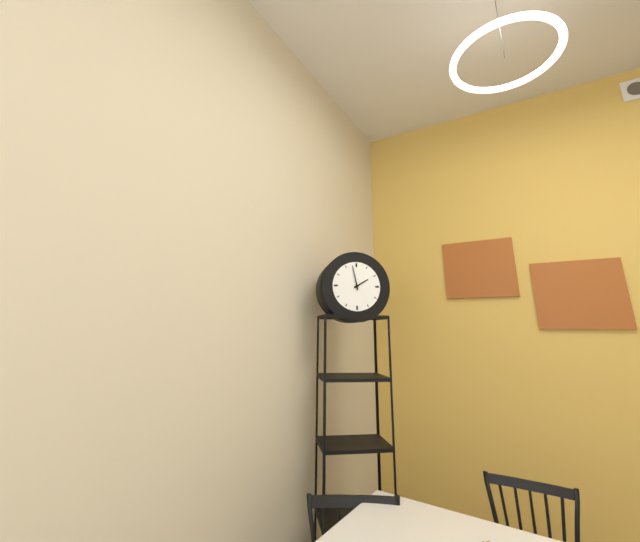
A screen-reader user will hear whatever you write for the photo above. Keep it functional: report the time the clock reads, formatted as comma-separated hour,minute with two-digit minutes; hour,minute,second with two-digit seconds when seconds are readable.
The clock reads 1,58
